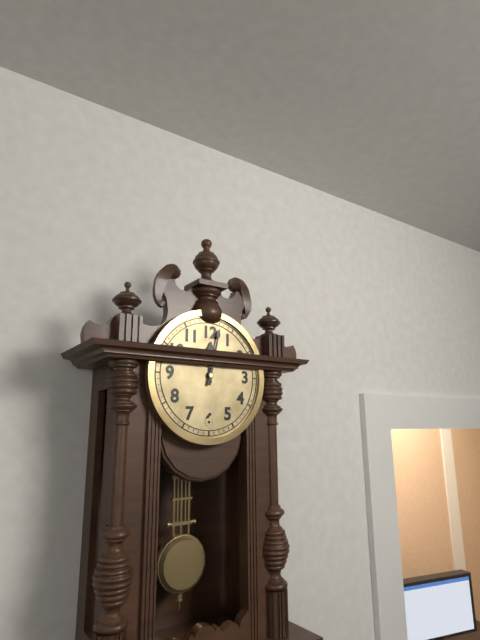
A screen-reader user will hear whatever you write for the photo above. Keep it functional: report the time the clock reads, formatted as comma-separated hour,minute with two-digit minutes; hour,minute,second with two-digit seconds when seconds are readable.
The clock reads 12,02
